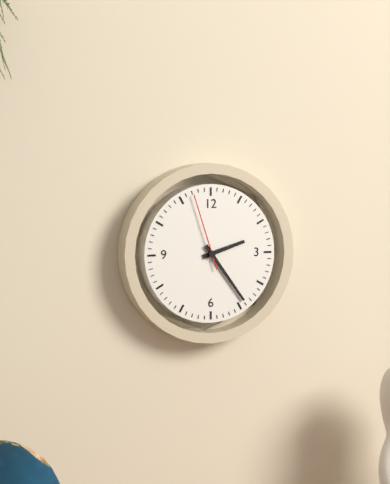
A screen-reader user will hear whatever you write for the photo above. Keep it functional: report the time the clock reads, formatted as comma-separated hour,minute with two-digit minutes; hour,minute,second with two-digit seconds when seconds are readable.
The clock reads 2,24,57
